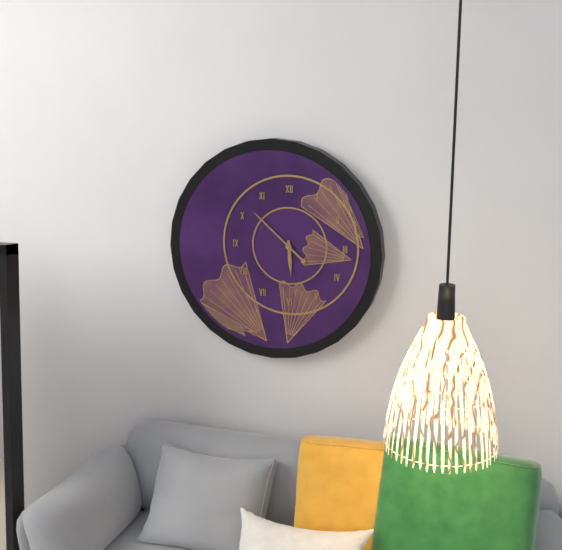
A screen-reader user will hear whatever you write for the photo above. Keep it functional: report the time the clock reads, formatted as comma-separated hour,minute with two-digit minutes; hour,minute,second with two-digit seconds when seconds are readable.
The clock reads 5,52
